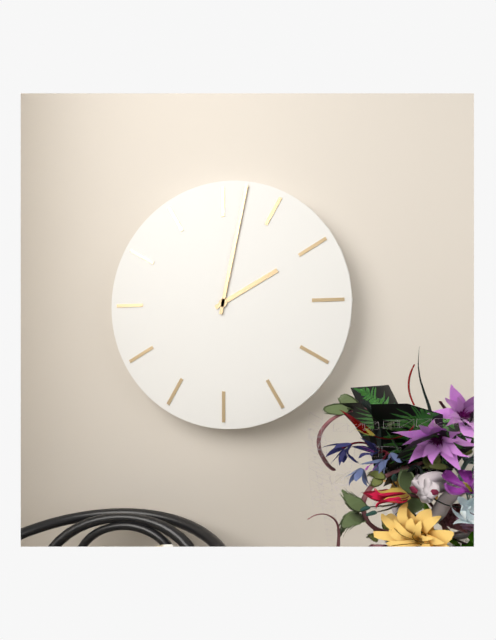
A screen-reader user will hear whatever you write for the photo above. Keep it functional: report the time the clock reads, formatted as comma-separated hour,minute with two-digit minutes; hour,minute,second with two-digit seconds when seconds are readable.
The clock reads 2,02
